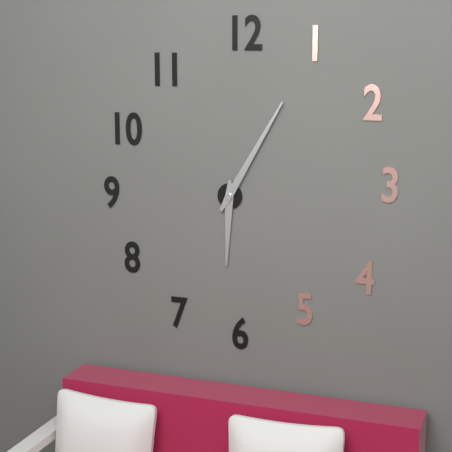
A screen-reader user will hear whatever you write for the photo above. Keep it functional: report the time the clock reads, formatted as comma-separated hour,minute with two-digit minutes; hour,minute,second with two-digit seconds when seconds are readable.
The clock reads 6,05
